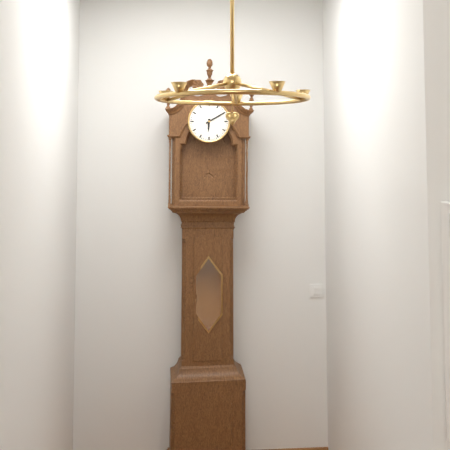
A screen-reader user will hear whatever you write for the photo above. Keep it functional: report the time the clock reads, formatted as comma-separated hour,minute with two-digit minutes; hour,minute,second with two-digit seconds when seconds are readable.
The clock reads 6,10
